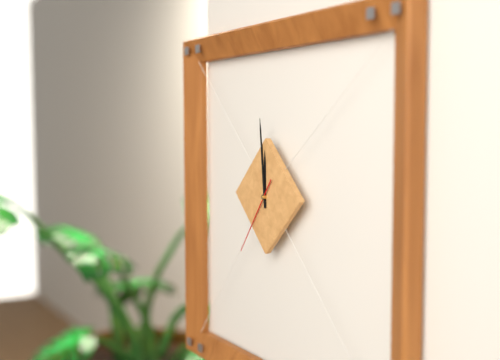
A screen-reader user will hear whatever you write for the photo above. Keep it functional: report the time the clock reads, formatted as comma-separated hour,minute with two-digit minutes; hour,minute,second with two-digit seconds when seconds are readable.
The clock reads 11,59,36
